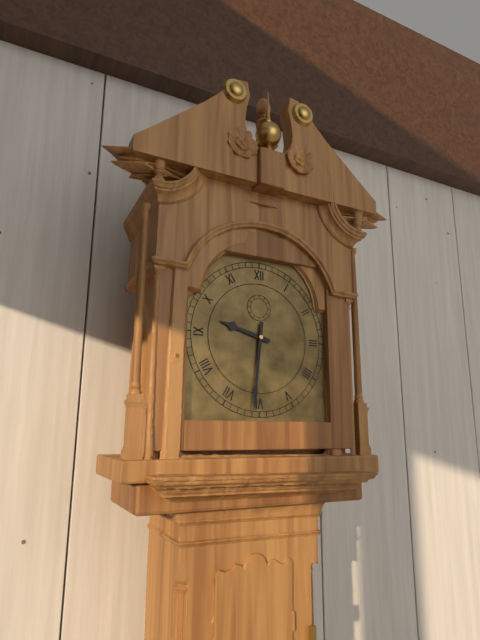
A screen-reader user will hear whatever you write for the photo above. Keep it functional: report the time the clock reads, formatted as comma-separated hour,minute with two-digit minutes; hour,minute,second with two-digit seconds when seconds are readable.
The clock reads 9,31
